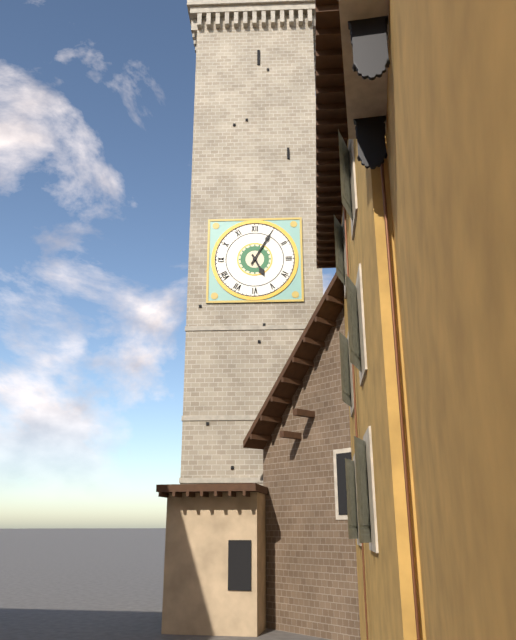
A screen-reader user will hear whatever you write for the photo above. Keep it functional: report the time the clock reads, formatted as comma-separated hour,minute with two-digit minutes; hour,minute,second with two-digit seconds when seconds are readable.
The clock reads 5,05
